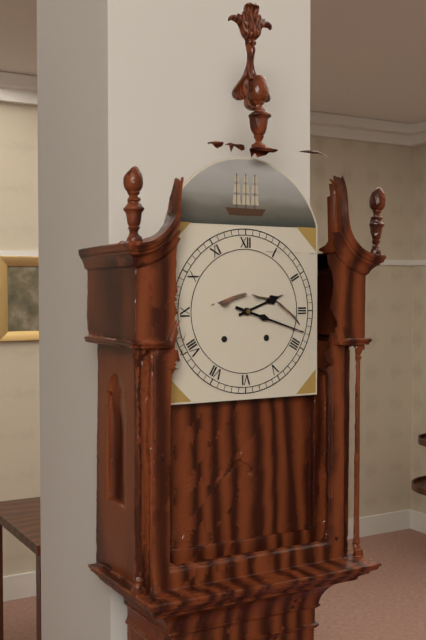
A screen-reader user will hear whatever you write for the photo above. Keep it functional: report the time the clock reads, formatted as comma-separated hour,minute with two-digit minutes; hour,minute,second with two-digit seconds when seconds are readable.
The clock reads 2,18
